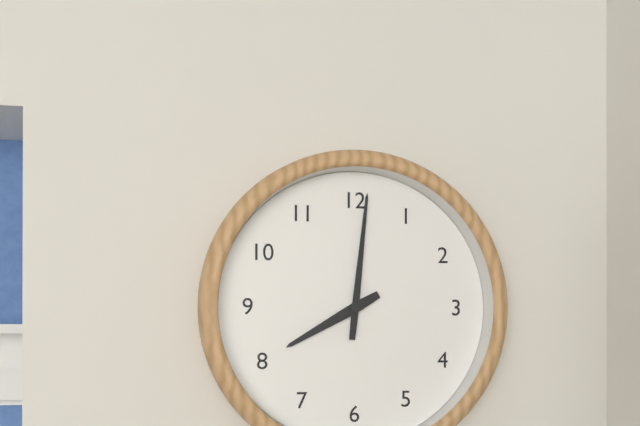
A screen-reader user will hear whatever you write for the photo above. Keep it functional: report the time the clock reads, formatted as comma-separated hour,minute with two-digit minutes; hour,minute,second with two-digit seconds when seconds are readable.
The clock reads 8,01
